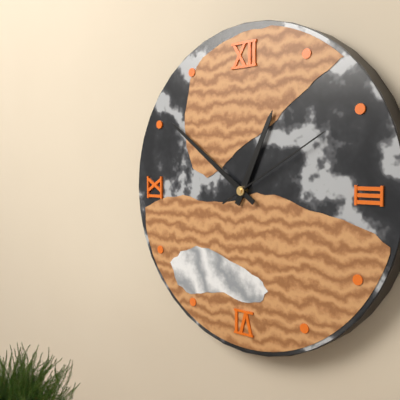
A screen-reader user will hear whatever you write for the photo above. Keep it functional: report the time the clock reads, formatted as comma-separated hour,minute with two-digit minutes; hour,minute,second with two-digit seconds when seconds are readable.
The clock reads 12,51,10
